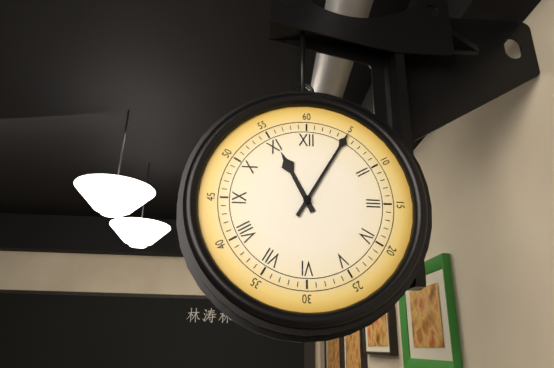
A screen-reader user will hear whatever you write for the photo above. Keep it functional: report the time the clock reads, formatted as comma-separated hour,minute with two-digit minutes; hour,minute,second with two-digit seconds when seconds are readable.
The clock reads 11,05
